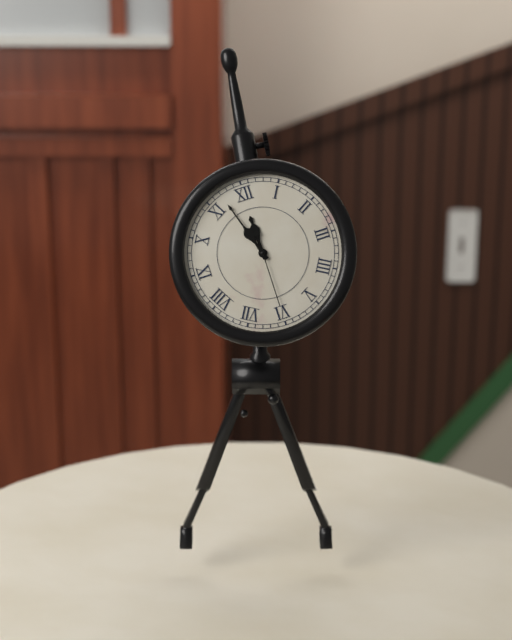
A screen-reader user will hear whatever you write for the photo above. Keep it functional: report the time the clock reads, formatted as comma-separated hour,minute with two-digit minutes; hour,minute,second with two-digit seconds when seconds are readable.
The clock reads 11,57,30
